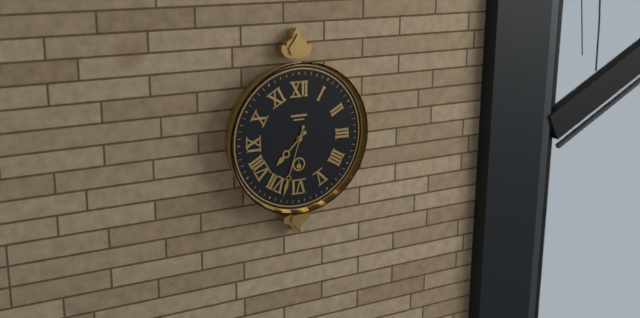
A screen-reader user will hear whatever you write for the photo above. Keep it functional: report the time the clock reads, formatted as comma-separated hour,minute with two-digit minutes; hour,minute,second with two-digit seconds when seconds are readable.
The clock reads 7,33
